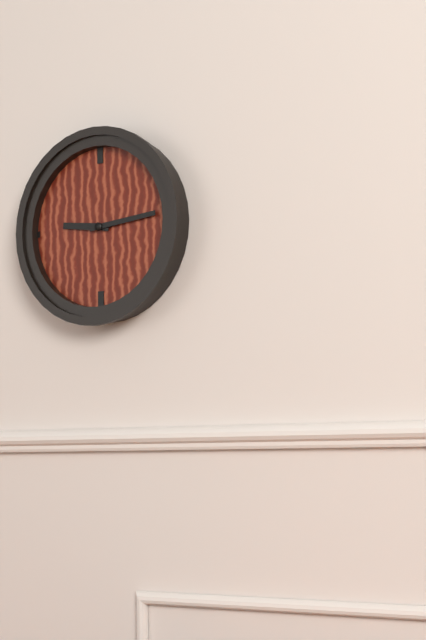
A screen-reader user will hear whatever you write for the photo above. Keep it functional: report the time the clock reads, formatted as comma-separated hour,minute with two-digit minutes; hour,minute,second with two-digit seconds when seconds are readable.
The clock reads 9,14
